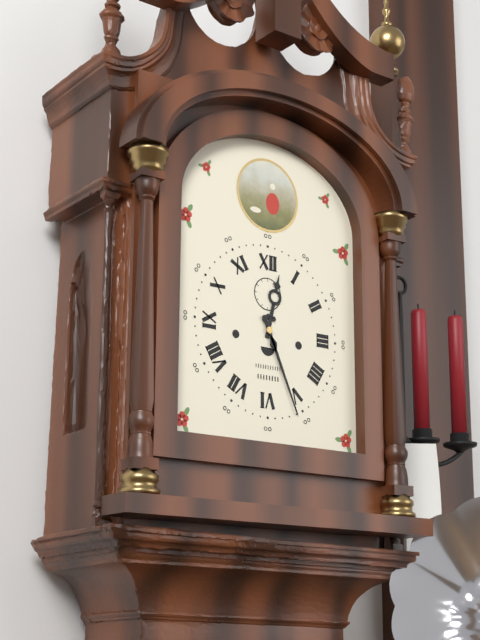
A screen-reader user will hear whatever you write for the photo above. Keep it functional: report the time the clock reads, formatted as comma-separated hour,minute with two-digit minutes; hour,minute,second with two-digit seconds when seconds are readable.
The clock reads 12,26
